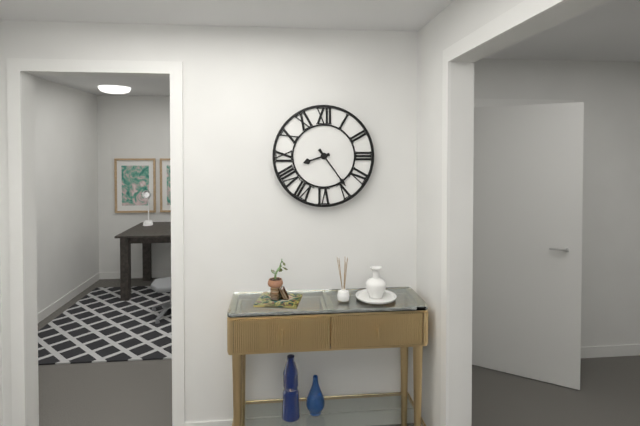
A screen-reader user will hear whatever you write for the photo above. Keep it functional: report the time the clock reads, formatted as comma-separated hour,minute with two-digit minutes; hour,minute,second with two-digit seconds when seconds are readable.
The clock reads 8,24
